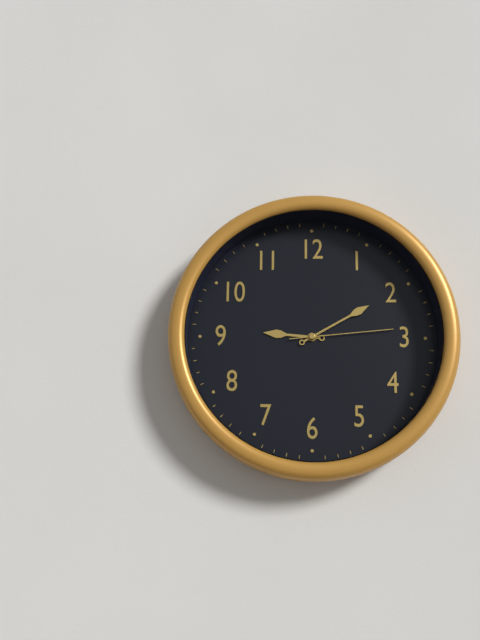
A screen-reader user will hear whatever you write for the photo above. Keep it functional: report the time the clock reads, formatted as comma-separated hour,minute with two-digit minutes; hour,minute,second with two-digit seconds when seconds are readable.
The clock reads 9,10,14
